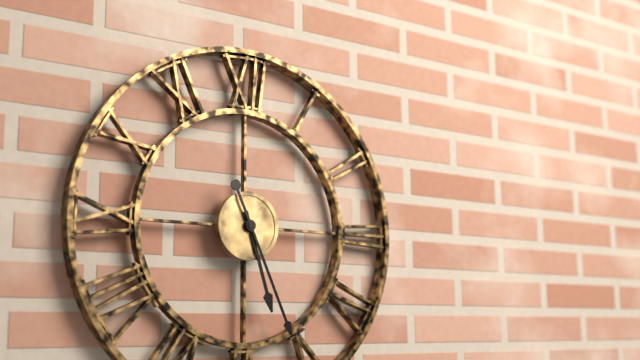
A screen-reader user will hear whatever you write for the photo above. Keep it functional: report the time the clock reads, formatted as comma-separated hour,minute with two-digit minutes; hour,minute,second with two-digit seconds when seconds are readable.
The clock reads 5,26
